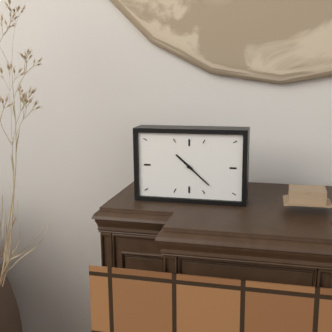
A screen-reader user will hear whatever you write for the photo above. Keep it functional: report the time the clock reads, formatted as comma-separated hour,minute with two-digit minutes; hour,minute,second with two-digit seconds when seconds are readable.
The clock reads 10,22
